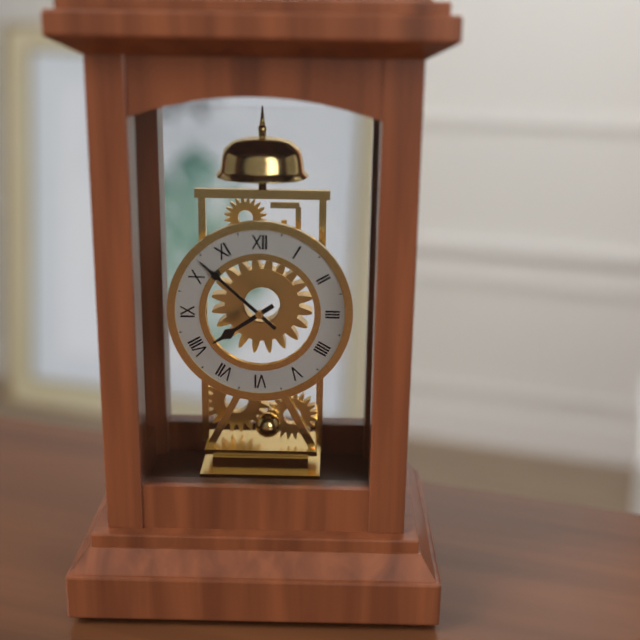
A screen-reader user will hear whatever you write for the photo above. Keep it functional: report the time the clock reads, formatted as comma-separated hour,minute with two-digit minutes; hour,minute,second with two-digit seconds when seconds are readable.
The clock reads 7,52
